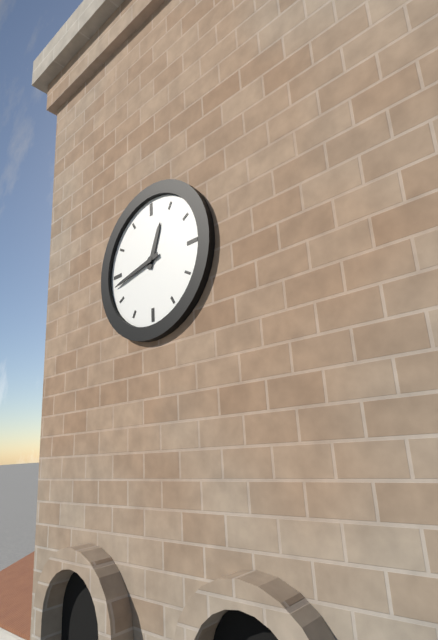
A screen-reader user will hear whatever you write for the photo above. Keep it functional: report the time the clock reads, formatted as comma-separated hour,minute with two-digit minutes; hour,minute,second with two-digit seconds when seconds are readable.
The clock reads 12,43
